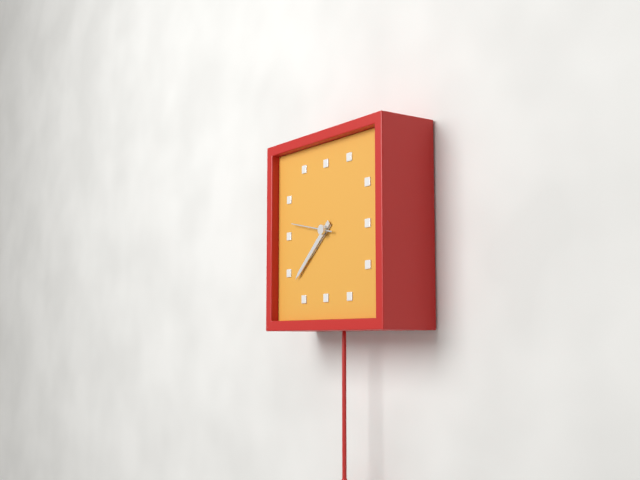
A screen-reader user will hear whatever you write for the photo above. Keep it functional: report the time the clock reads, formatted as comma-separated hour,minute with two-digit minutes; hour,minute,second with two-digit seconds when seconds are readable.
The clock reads 7,38
